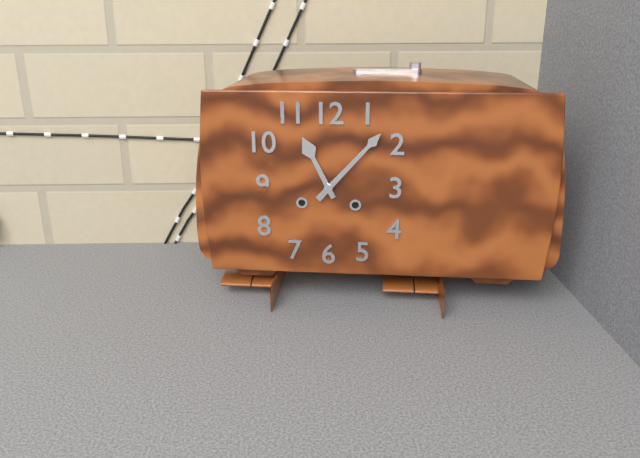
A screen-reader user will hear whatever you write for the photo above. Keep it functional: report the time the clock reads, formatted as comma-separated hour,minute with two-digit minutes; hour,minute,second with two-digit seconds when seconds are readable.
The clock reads 11,07
